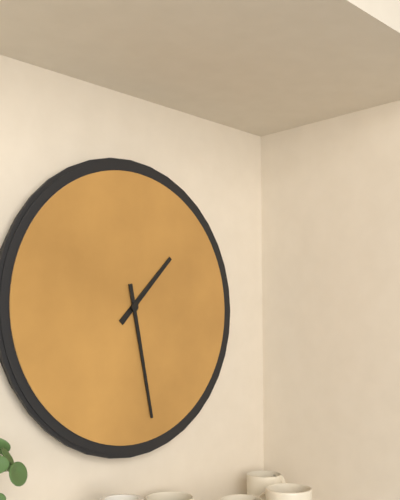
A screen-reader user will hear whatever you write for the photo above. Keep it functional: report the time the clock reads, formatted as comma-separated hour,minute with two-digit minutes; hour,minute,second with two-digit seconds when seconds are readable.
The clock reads 1,28
